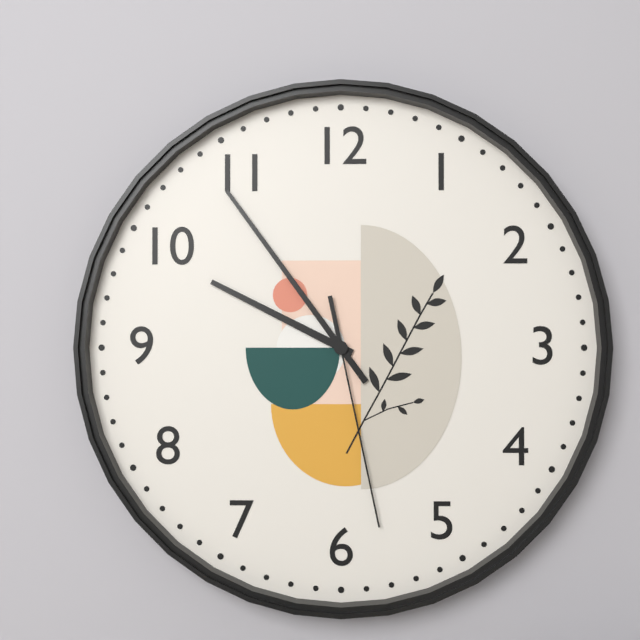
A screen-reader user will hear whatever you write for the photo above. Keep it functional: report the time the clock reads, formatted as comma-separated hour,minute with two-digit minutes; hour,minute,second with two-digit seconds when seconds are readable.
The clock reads 9,54,28
